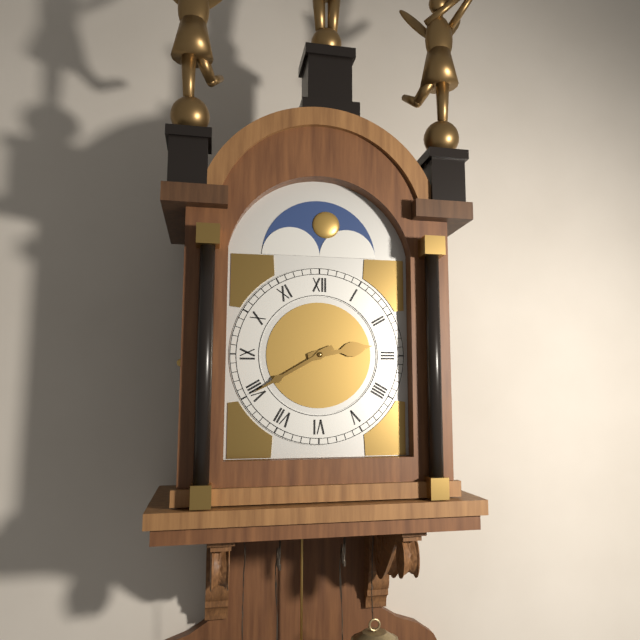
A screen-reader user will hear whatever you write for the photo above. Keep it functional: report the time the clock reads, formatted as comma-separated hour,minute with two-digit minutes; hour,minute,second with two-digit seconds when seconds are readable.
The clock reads 2,40
